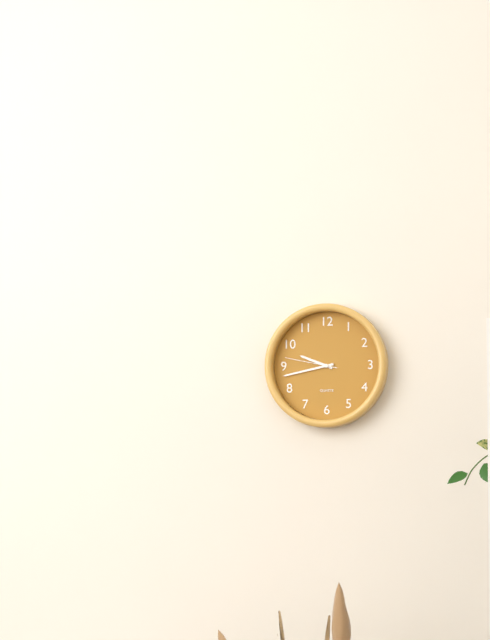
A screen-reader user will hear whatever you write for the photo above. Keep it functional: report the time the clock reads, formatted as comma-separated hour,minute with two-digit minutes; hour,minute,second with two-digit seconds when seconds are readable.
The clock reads 9,43,47
